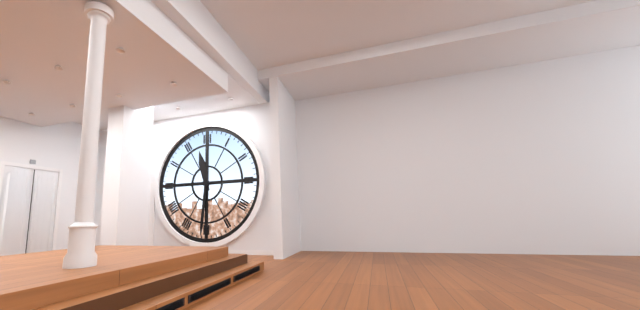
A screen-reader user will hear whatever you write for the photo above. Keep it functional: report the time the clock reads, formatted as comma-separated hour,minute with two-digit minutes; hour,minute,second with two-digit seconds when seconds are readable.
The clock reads 11,31
